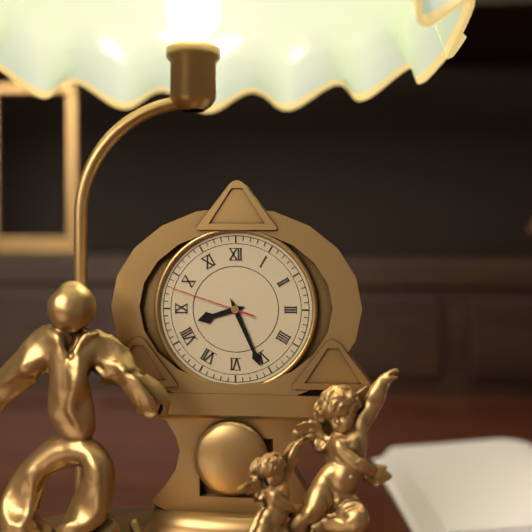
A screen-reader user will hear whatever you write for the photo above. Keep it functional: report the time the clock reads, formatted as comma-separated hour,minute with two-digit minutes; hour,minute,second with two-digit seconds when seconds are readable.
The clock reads 8,26,48
